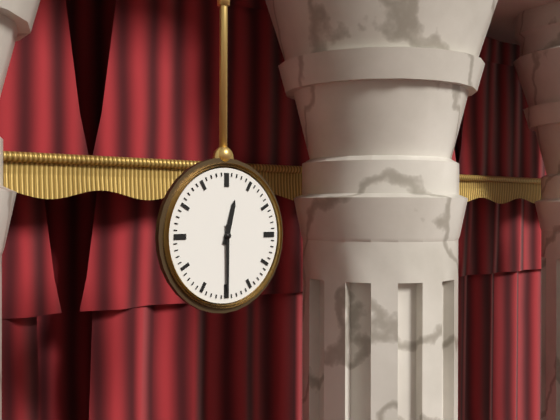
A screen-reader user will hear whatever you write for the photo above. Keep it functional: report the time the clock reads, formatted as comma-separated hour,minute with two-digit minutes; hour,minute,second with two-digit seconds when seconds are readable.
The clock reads 12,30
